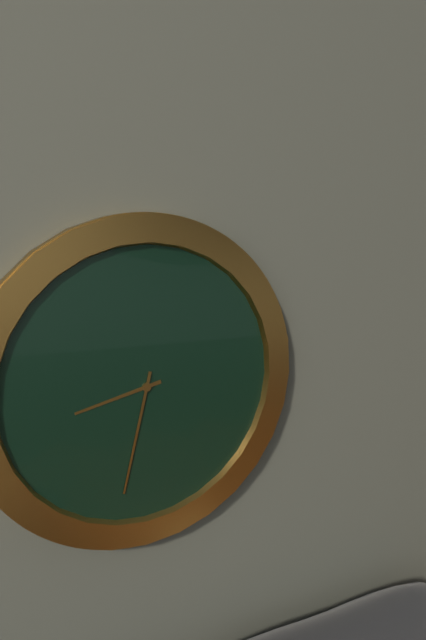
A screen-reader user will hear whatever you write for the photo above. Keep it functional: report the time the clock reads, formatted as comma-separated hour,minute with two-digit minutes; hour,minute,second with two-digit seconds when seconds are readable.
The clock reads 8,32
